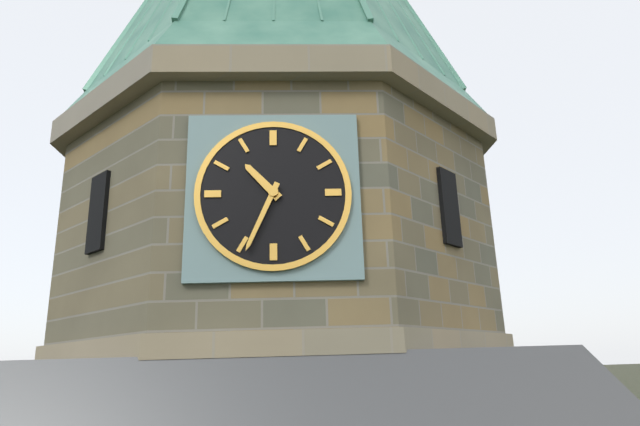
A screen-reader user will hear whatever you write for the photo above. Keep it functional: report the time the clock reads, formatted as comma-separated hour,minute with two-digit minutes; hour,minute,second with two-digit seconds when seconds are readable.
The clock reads 10,34
